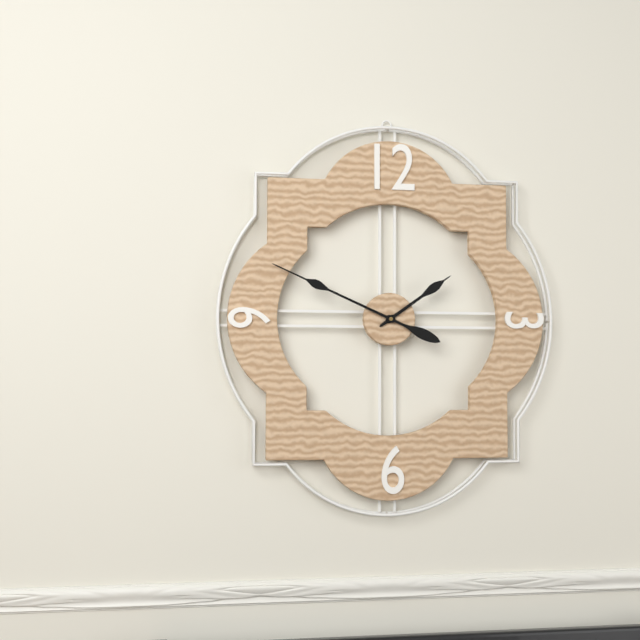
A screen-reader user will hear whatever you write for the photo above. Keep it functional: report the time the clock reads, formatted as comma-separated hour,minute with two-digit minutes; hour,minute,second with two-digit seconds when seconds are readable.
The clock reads 1,49
